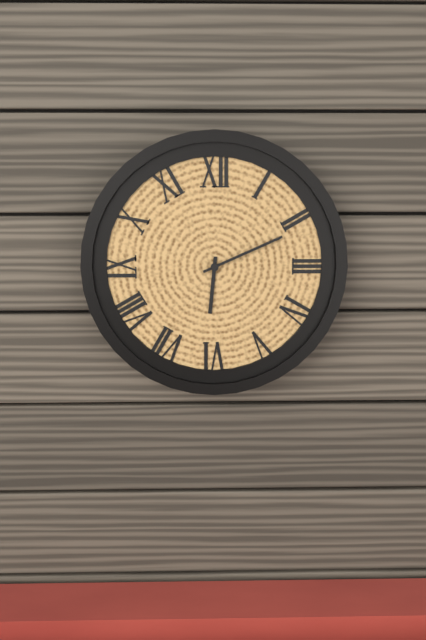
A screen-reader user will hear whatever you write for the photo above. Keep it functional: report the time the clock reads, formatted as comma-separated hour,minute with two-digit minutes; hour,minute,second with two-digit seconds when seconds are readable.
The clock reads 6,11
